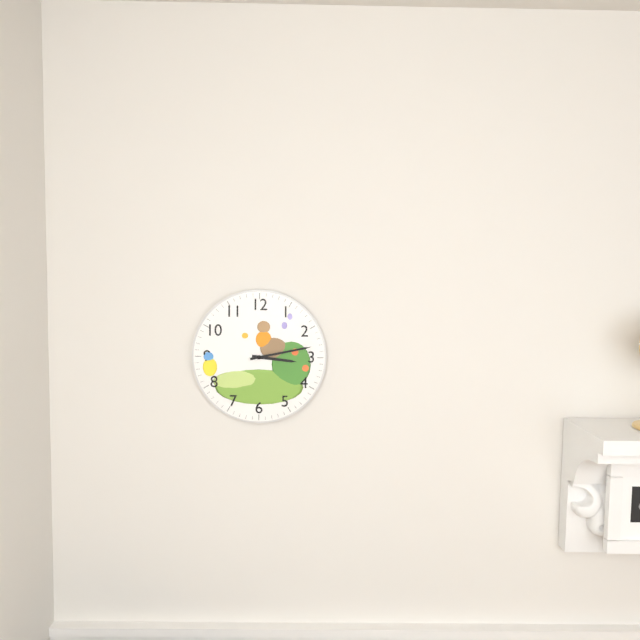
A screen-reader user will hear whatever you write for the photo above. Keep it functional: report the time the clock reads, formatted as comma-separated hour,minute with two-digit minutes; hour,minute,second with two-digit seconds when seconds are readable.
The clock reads 3,13
